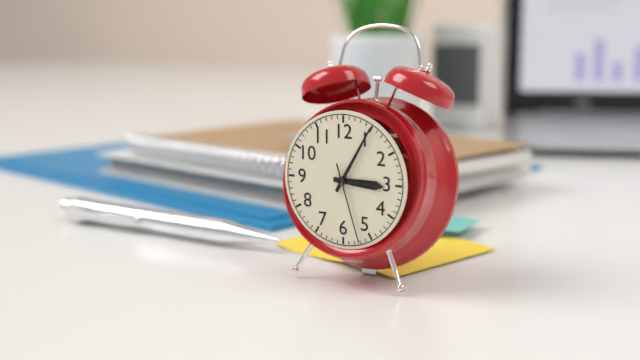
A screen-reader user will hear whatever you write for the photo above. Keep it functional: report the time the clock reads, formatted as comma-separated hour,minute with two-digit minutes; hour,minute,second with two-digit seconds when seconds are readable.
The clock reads 3,05,27
